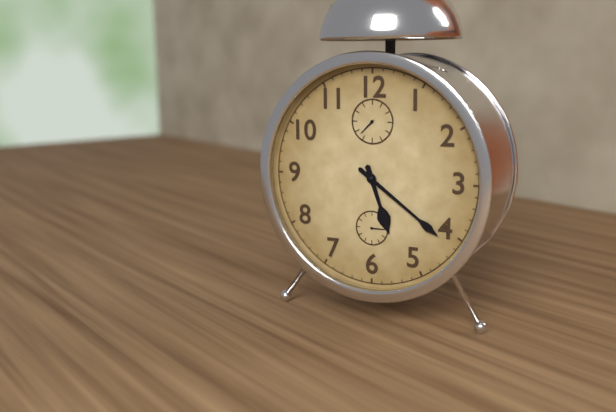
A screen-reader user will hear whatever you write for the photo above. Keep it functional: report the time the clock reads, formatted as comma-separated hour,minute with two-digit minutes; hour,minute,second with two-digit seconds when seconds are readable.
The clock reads 5,21
